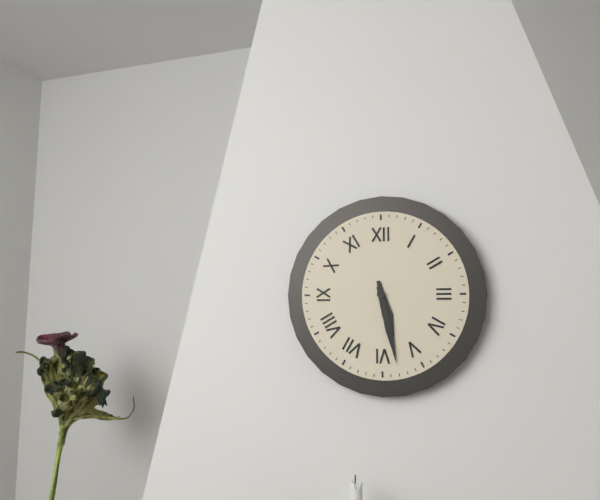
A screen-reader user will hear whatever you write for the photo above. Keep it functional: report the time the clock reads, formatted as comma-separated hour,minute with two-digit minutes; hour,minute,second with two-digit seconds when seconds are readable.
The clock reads 5,28
